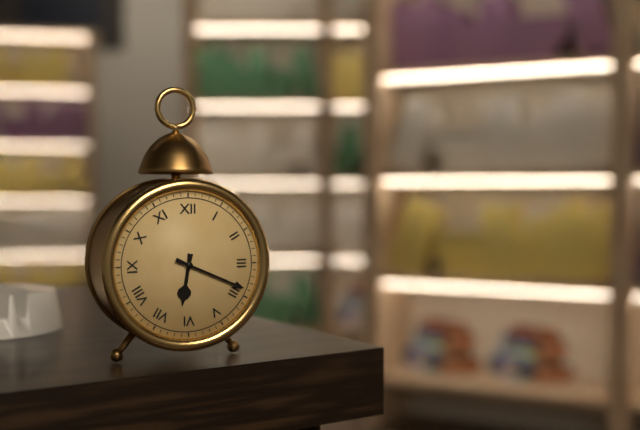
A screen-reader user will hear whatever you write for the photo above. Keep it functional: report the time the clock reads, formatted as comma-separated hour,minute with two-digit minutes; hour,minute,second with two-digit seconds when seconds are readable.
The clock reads 6,19
